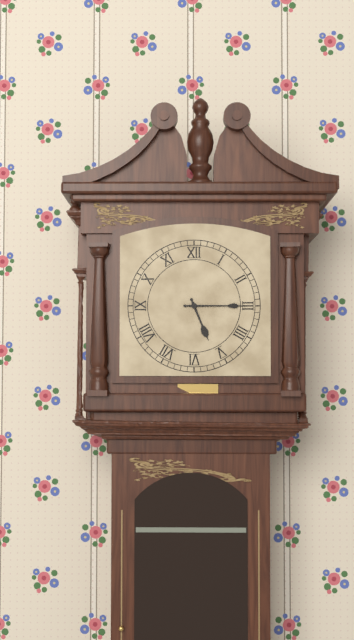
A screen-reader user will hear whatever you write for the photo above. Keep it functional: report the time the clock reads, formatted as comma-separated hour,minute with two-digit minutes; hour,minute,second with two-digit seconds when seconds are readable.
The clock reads 5,15
